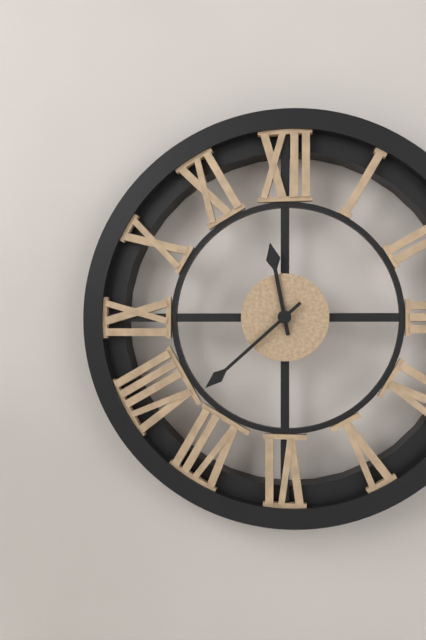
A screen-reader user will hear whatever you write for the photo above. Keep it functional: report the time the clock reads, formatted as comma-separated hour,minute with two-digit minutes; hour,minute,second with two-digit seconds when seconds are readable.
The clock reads 11,38
